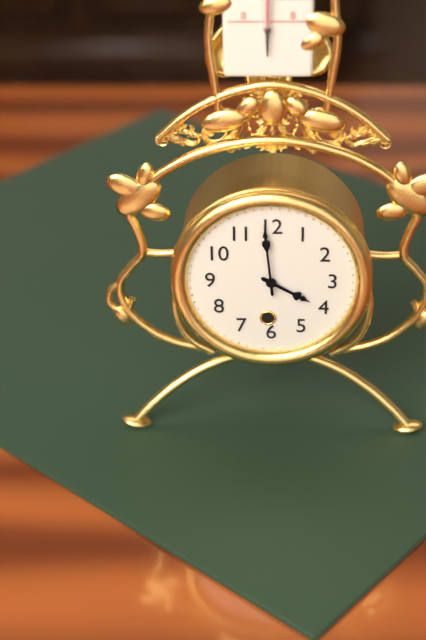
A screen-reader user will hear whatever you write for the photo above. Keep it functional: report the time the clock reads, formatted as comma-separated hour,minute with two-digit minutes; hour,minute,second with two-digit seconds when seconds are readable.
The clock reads 3,59
